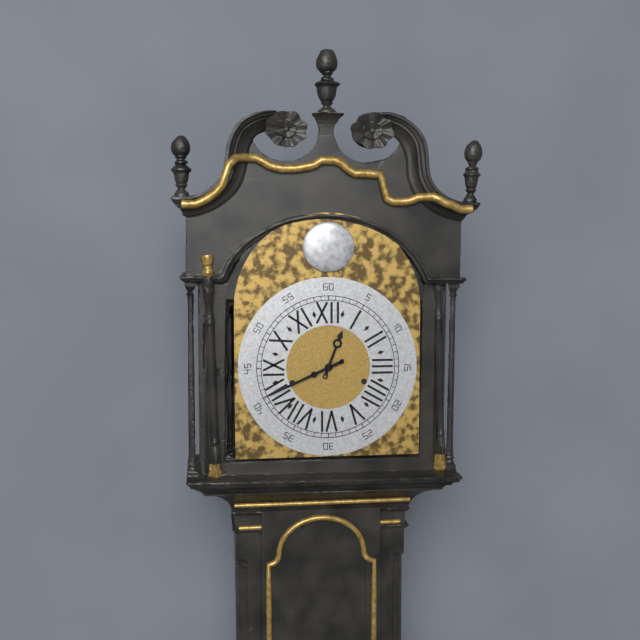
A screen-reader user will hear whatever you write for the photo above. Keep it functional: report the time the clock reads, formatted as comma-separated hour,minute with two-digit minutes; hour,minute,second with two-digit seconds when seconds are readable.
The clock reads 12,41
